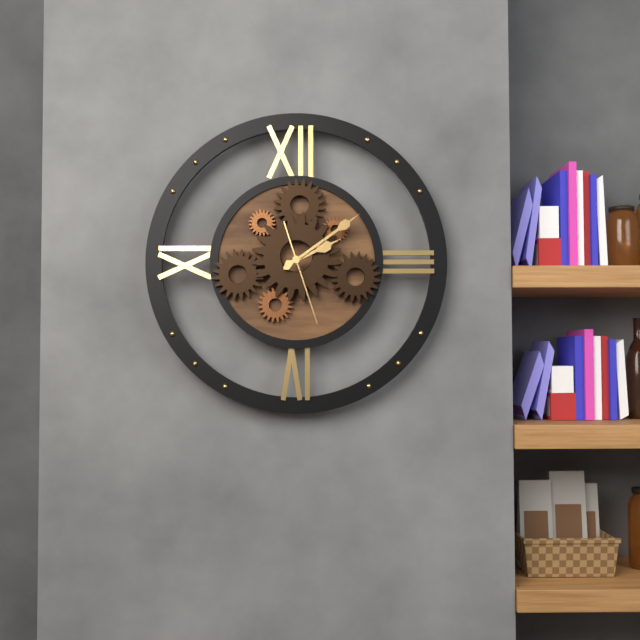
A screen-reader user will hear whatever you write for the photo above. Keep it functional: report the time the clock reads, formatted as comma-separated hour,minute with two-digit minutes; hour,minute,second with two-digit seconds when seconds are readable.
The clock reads 2,09,27
